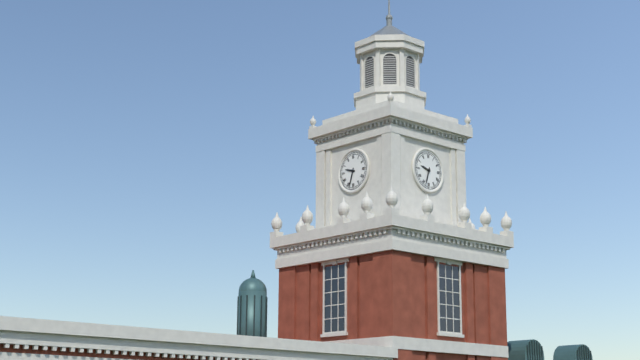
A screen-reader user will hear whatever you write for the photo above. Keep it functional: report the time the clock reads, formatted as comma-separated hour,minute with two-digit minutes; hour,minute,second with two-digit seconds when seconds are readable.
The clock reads 9,33
